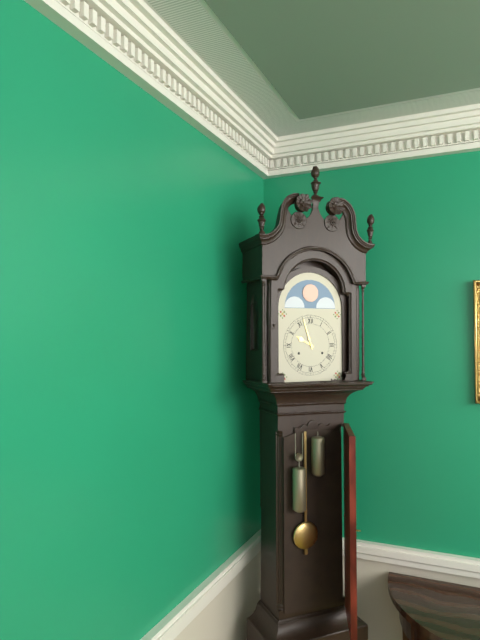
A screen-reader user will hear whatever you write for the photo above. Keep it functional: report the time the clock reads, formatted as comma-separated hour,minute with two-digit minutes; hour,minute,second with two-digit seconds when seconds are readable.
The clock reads 9,57
